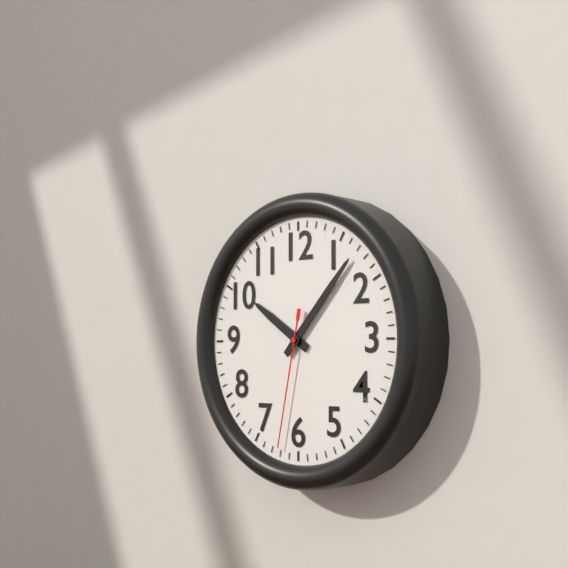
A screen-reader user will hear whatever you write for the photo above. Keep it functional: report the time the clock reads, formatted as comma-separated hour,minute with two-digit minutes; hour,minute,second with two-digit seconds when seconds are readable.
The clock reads 10,07,32
